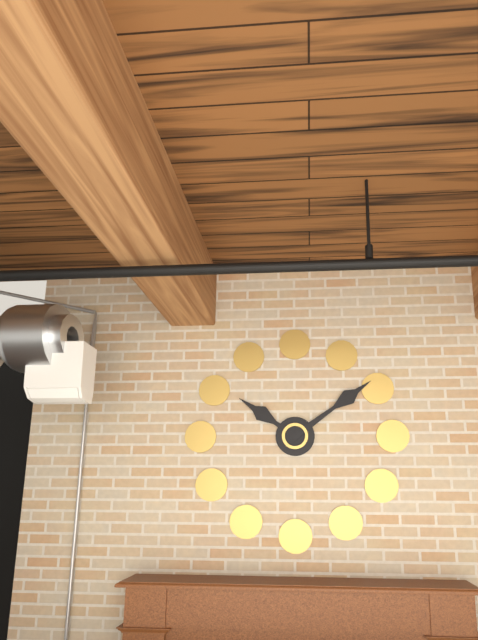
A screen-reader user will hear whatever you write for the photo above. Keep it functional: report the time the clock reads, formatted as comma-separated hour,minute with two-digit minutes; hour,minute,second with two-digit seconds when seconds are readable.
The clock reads 10,09
